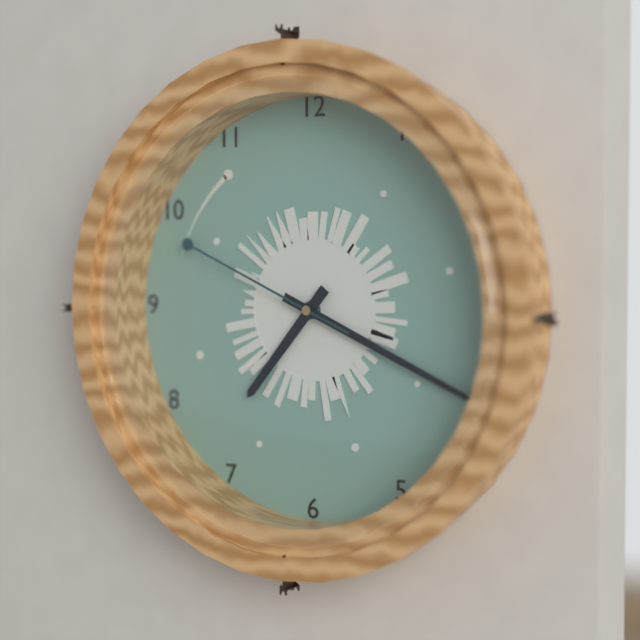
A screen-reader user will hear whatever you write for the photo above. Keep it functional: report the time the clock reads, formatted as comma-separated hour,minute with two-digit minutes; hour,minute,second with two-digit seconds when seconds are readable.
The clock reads 7,19,49
